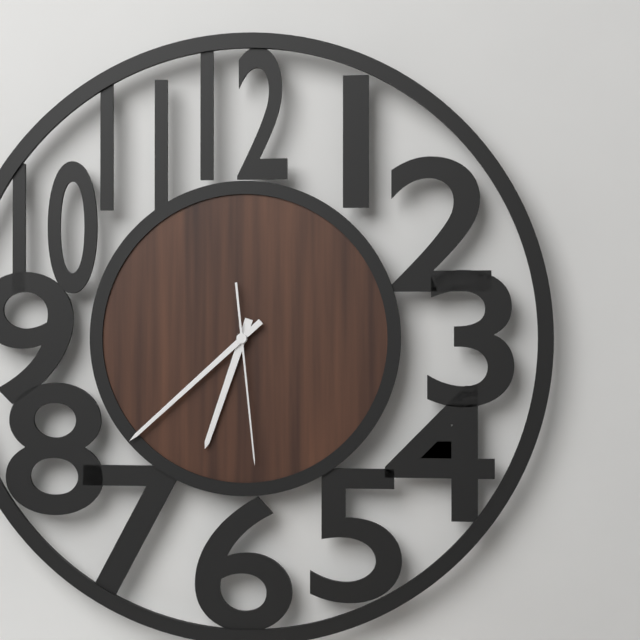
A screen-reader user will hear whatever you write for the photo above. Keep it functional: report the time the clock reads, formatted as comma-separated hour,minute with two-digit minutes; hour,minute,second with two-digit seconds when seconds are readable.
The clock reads 6,38,29
